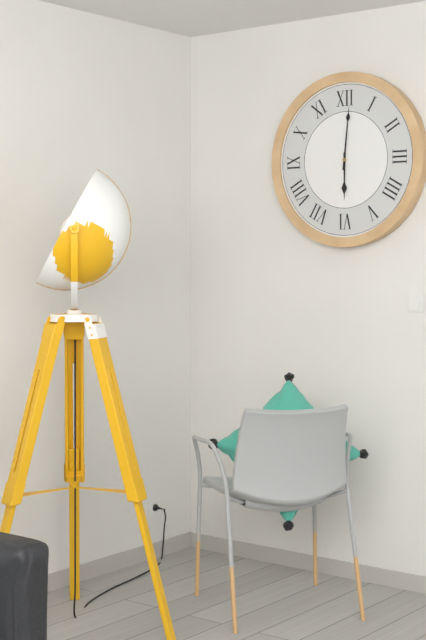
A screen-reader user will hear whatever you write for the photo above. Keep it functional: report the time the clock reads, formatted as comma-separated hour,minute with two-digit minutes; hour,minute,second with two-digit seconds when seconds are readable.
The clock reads 6,01
